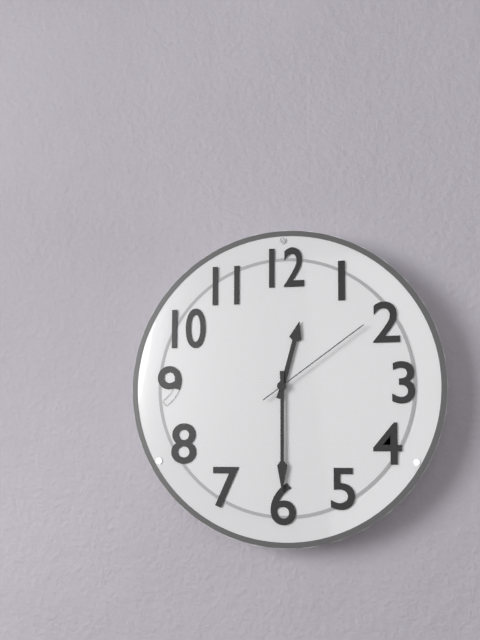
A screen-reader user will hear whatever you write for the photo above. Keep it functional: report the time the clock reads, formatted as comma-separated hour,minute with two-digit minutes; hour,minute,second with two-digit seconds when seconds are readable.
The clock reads 12,30,09
